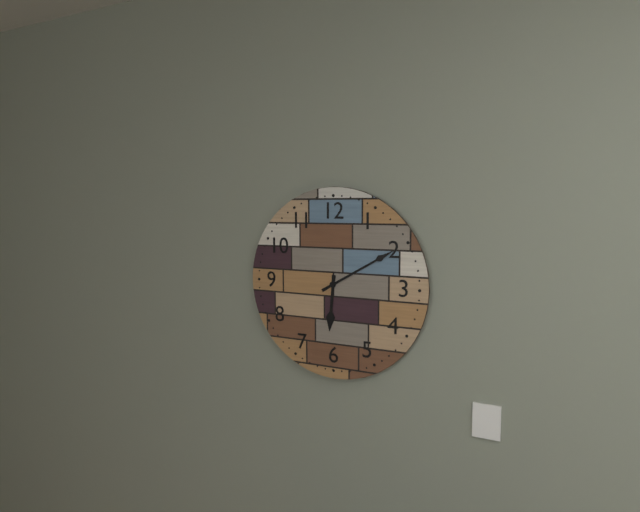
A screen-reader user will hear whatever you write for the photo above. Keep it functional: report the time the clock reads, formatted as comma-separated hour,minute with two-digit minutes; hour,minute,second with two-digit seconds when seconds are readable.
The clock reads 6,10
